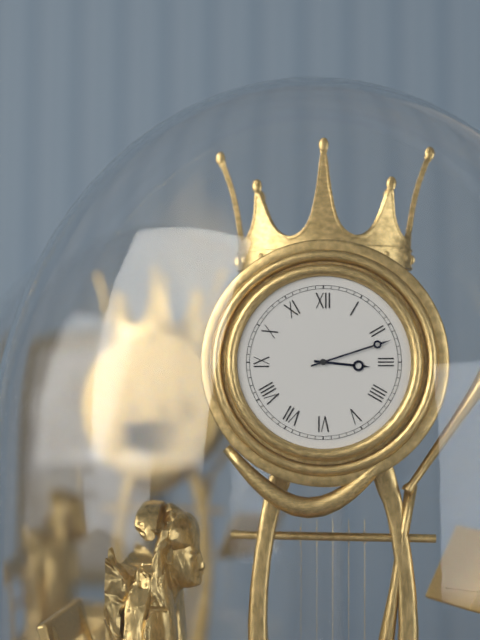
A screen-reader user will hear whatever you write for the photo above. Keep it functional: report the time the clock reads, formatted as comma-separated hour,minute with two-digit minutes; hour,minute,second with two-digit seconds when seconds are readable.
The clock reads 3,12
